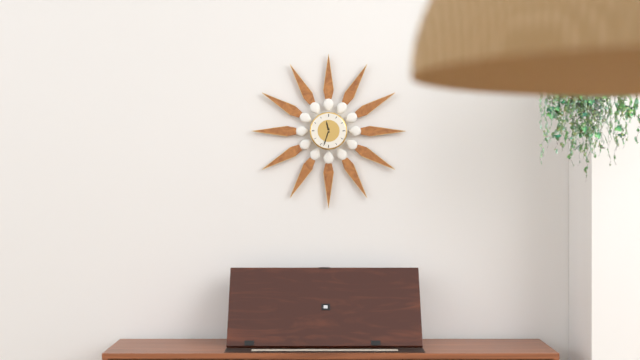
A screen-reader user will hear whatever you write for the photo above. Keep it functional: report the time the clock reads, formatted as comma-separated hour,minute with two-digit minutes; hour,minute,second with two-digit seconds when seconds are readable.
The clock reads 11,33
